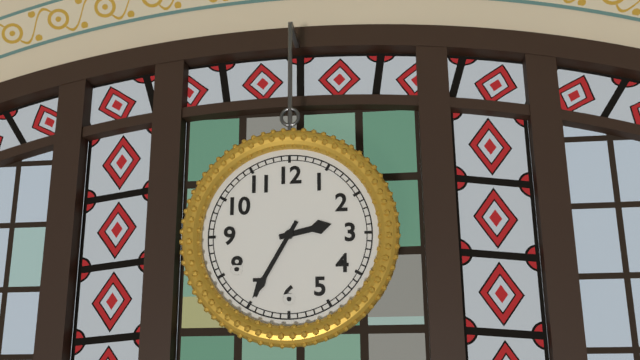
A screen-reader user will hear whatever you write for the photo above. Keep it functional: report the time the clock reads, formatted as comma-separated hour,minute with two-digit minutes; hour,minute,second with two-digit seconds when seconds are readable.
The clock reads 2,35
